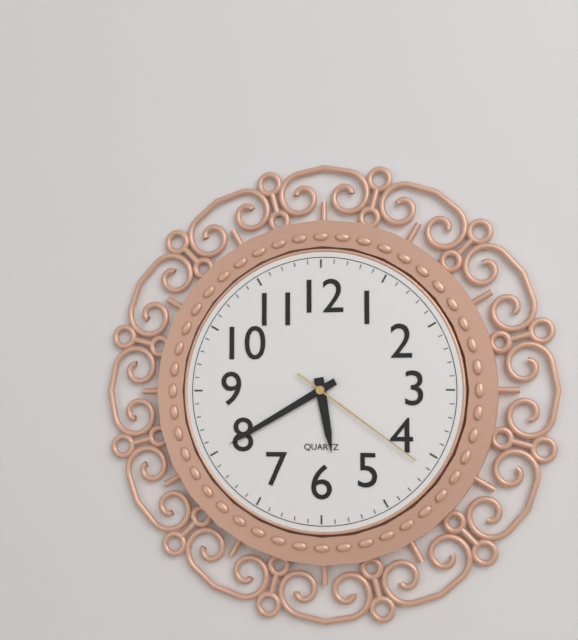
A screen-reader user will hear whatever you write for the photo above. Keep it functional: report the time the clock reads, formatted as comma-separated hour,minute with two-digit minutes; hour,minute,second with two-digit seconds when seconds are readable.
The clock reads 5,40,21
